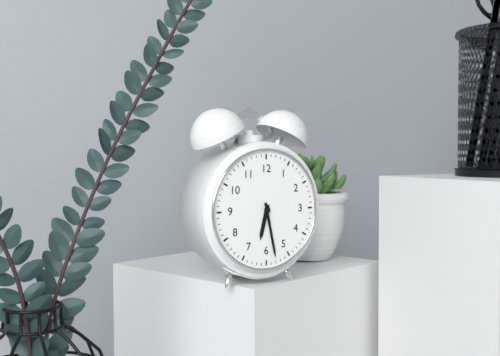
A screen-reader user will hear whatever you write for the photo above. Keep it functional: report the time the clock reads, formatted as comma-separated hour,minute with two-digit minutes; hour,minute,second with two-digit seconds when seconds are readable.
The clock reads 6,28
